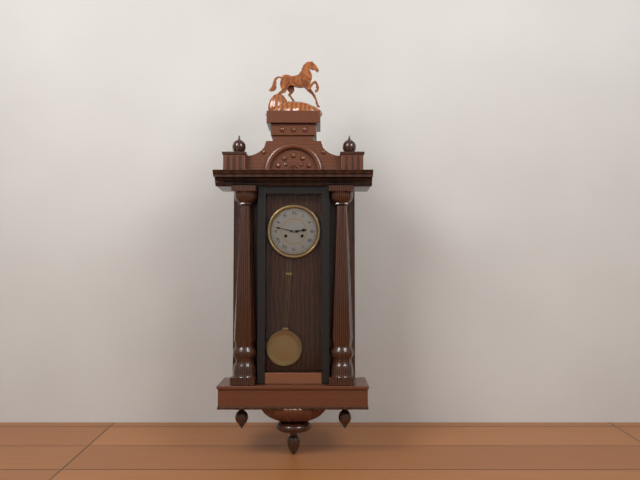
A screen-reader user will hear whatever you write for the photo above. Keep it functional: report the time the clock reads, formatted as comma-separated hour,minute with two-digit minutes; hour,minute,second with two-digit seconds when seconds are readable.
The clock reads 2,47
